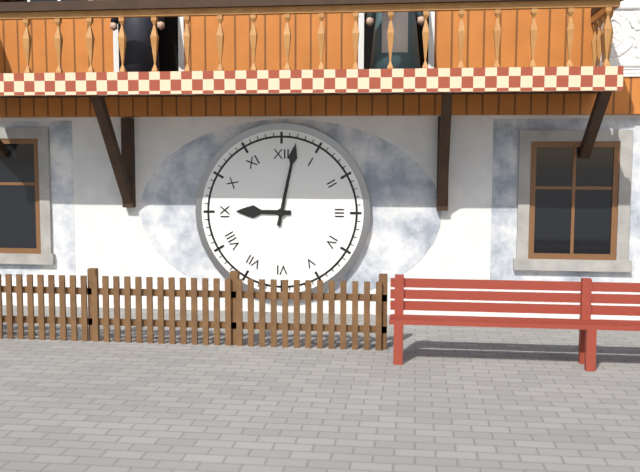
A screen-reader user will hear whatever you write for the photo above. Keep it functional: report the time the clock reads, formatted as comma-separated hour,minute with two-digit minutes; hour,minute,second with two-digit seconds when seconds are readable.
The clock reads 9,02
